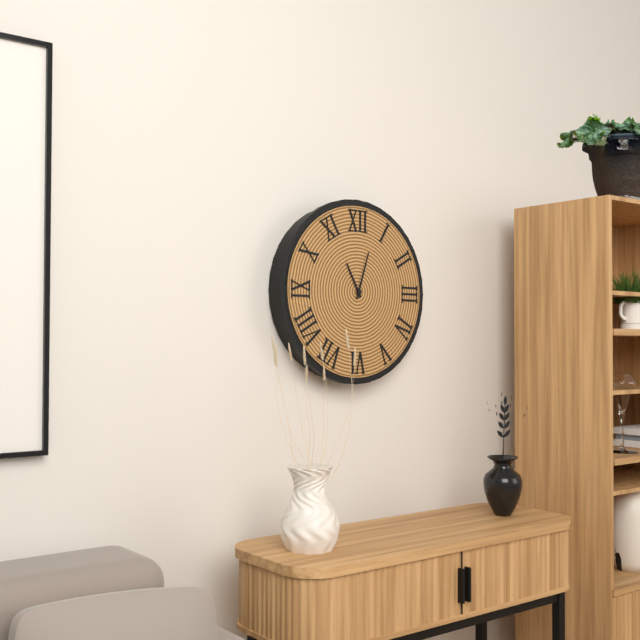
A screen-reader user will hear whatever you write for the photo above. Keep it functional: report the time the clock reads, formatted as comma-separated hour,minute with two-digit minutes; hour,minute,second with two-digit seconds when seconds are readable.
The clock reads 11,03
